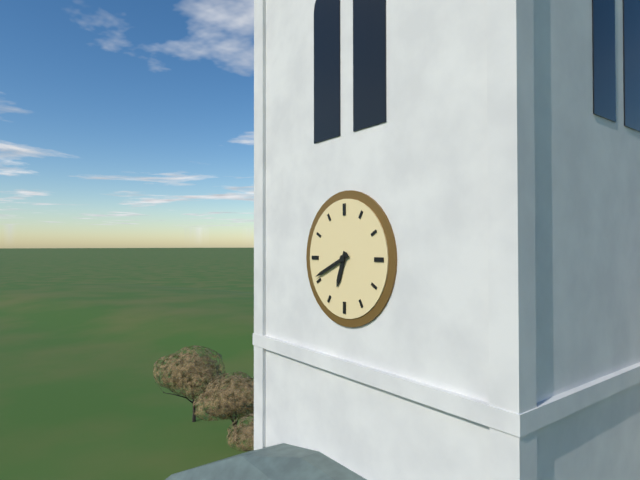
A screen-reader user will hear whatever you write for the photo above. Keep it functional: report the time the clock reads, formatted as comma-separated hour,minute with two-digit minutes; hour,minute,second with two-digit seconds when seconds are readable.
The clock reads 6,41
